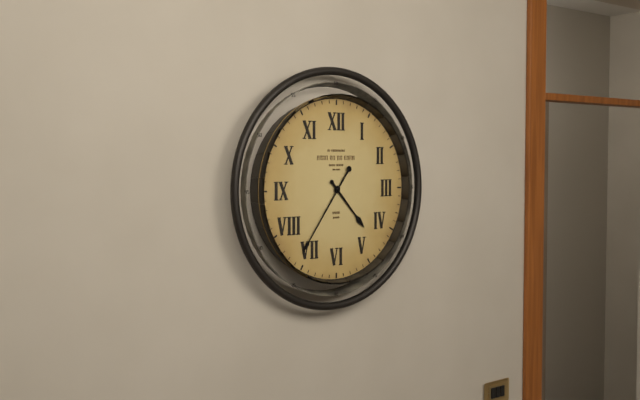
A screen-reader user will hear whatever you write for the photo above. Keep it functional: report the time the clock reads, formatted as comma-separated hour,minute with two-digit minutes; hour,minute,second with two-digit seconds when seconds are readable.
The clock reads 4,36
